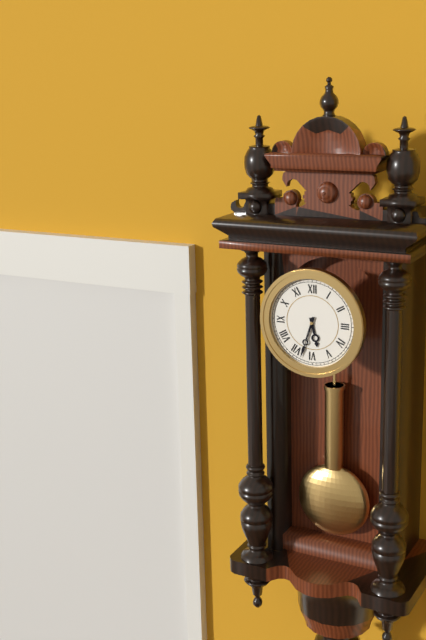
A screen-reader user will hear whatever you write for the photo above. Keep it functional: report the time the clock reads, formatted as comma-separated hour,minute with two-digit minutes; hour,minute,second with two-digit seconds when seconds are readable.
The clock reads 5,33
